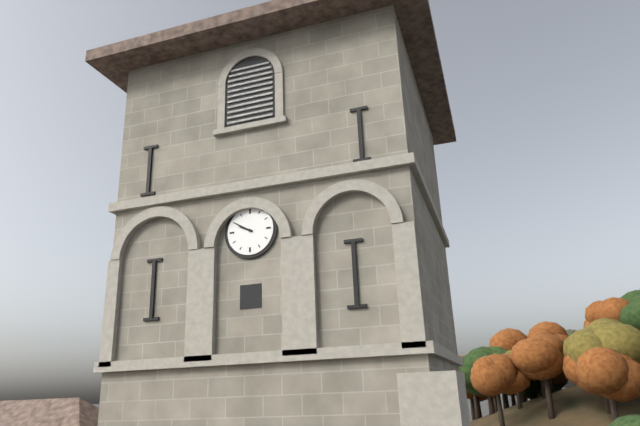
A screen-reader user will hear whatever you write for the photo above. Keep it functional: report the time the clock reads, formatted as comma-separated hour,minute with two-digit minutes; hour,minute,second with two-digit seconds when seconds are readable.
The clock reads 9,50
